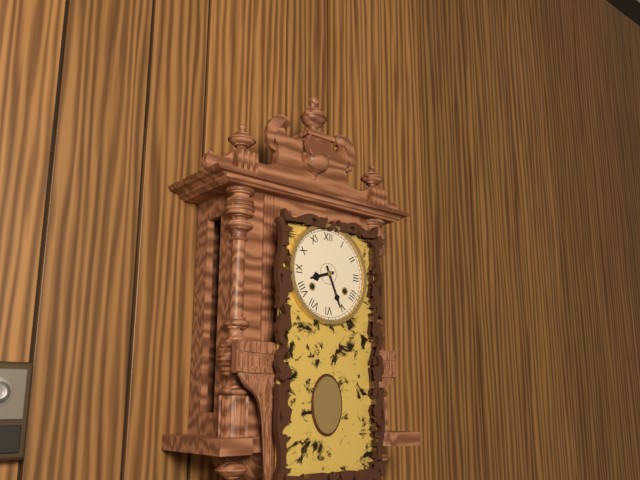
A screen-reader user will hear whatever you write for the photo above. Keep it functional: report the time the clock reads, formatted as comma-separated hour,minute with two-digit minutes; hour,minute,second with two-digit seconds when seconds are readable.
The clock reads 8,26
